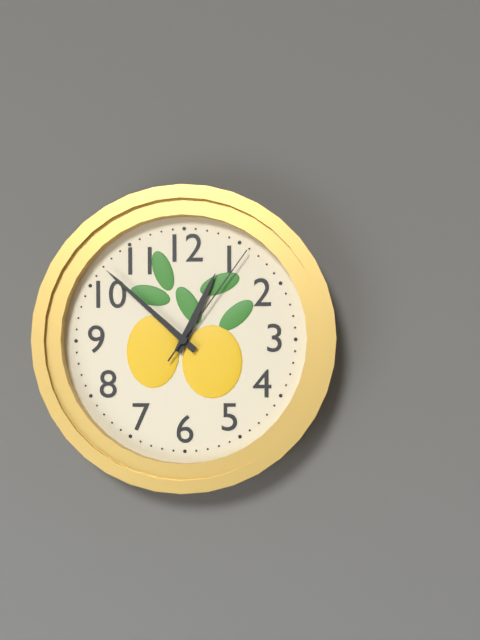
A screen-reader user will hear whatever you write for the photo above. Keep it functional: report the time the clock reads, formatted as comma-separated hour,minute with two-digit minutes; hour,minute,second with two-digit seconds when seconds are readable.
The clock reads 12,52,06
